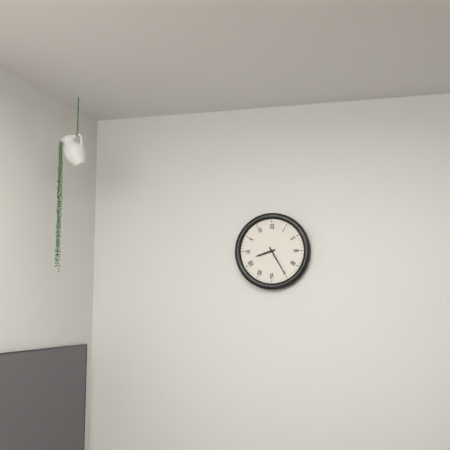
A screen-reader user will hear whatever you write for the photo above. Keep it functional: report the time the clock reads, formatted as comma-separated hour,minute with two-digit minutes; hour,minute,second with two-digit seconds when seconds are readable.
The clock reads 8,25
